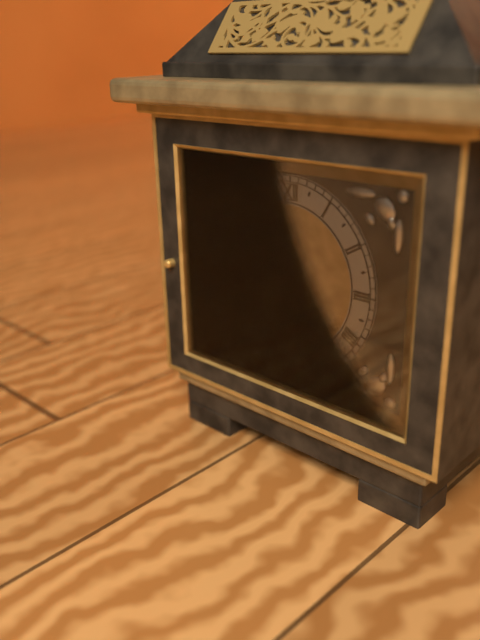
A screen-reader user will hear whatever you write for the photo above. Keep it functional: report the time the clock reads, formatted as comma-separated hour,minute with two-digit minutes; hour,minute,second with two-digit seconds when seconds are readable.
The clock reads 7,58
